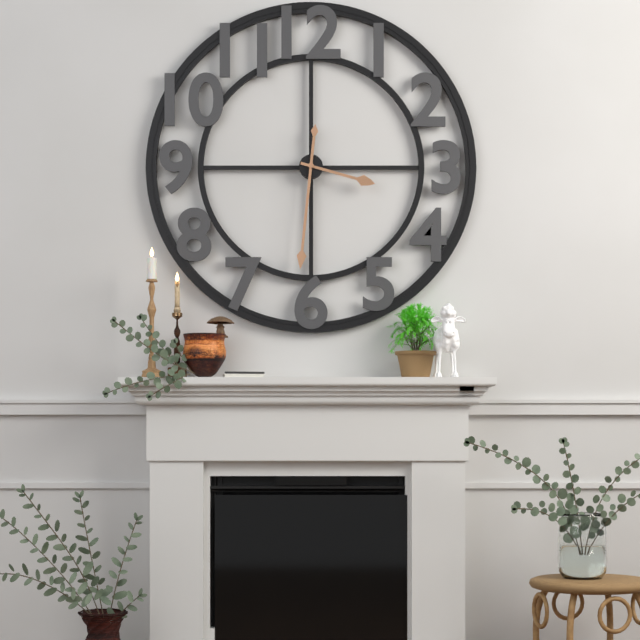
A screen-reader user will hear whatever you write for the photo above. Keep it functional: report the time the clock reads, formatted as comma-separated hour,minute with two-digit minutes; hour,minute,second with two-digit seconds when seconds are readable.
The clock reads 3,31
